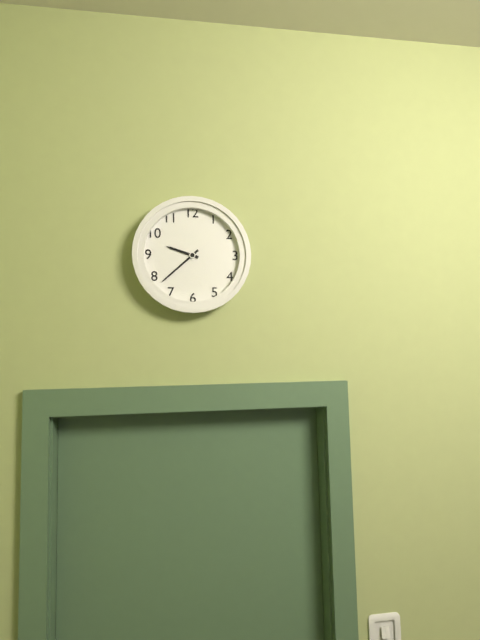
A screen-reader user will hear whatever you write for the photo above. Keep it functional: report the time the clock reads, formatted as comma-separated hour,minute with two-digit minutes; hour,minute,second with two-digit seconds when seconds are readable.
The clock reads 9,38
